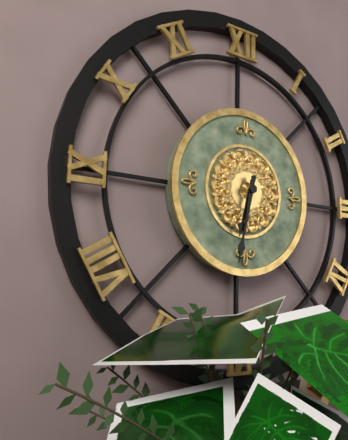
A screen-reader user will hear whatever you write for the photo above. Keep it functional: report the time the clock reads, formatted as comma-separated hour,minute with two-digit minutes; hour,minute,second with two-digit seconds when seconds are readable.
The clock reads 6,32
